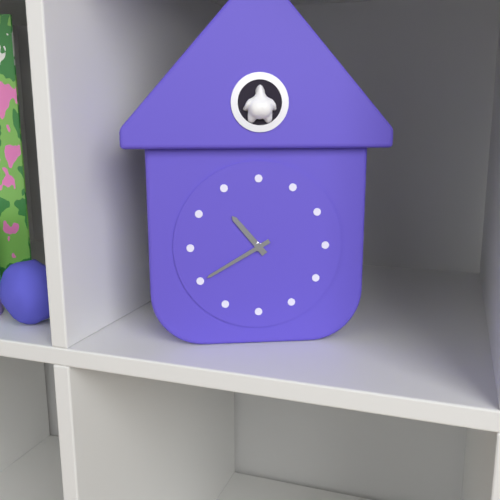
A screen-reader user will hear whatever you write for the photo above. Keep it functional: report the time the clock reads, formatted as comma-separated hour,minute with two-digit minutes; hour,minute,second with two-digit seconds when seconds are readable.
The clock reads 10,40
